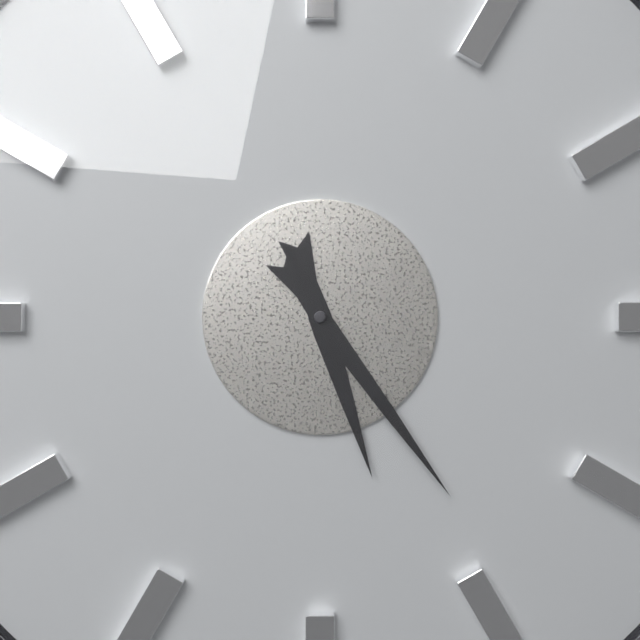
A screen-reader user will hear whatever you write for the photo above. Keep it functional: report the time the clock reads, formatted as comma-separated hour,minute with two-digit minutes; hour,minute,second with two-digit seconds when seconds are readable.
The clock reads 5,24
